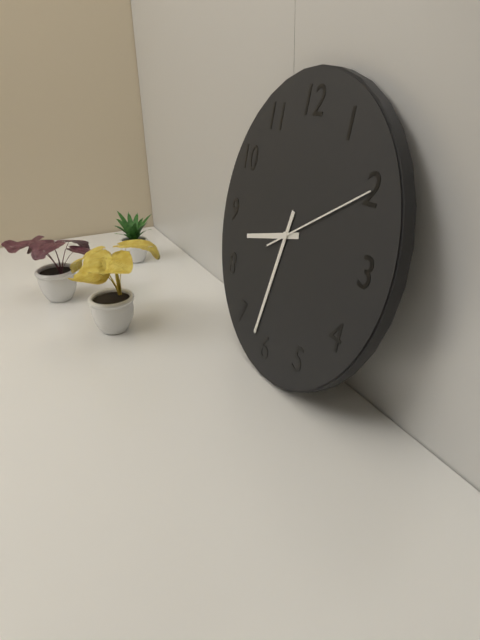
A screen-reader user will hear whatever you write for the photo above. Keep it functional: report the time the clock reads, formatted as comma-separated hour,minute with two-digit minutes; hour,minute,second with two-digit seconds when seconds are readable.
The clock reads 8,32,10
